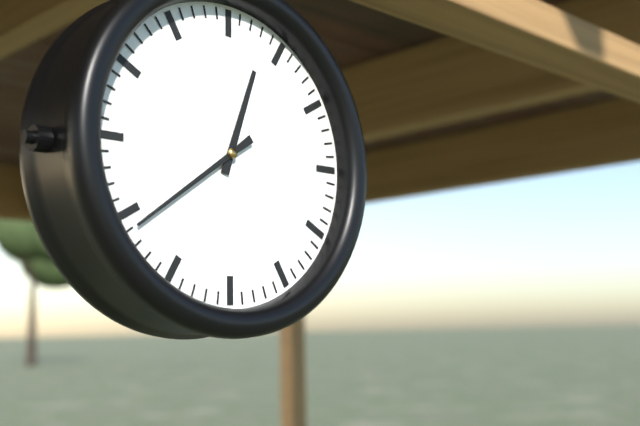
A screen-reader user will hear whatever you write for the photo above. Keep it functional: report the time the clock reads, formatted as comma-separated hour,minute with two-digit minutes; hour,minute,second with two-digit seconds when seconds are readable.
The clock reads 12,39
